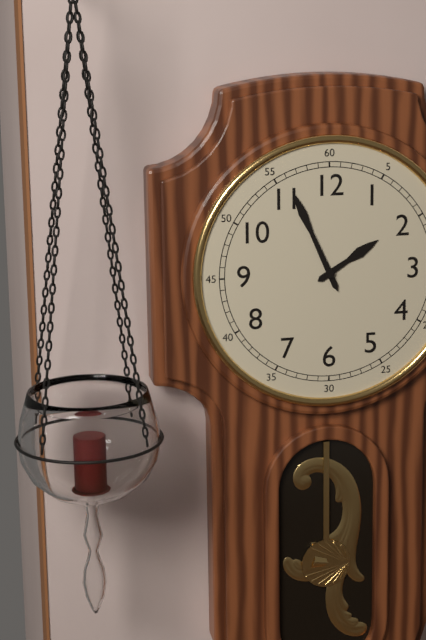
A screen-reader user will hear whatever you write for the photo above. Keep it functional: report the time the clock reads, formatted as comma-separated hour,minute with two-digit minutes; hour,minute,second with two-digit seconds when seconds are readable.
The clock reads 1,56
